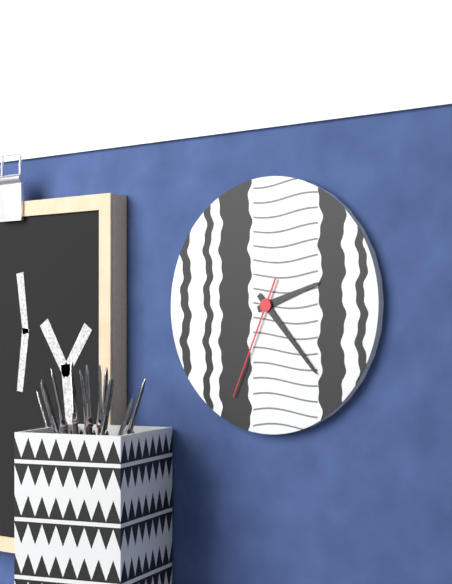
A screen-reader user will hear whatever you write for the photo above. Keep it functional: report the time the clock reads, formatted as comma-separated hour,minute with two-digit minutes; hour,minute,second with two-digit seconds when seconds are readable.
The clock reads 2,23,34
